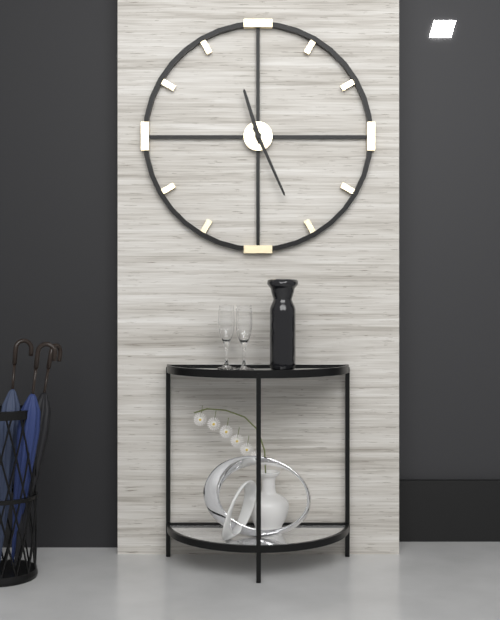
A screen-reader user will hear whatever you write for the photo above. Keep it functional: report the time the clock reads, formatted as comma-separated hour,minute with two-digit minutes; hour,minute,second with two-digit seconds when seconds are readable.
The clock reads 11,26
